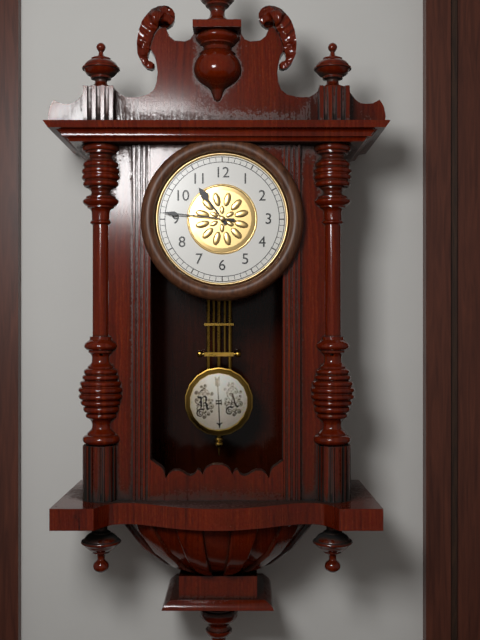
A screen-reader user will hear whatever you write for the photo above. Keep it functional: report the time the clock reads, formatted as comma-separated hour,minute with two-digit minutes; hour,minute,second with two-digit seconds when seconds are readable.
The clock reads 10,46
